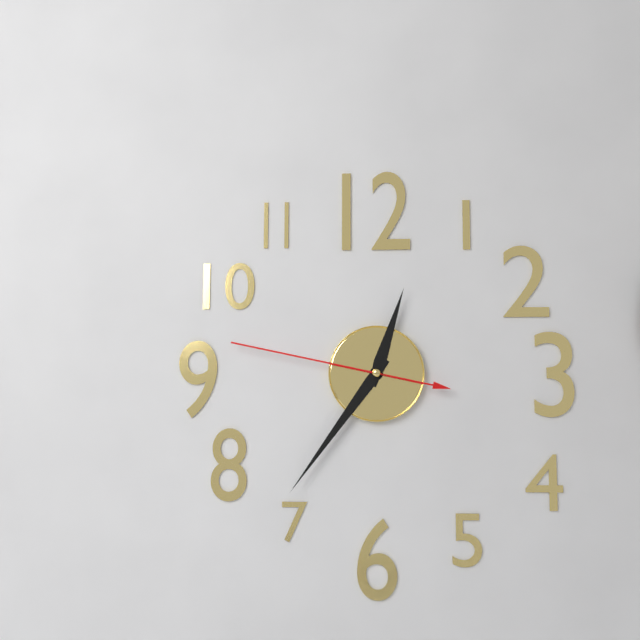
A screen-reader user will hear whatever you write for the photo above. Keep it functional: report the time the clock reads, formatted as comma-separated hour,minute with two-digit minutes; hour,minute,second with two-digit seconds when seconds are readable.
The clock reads 12,36,47
